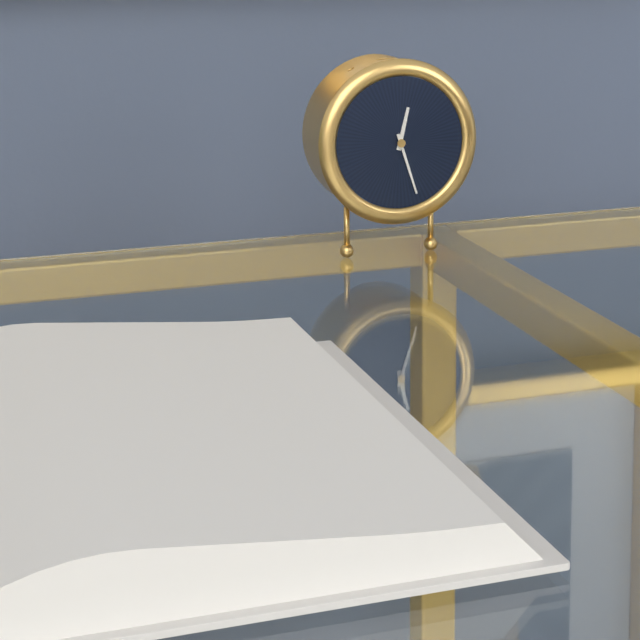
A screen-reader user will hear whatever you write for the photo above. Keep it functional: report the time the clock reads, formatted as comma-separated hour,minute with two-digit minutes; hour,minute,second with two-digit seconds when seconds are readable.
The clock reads 12,27
